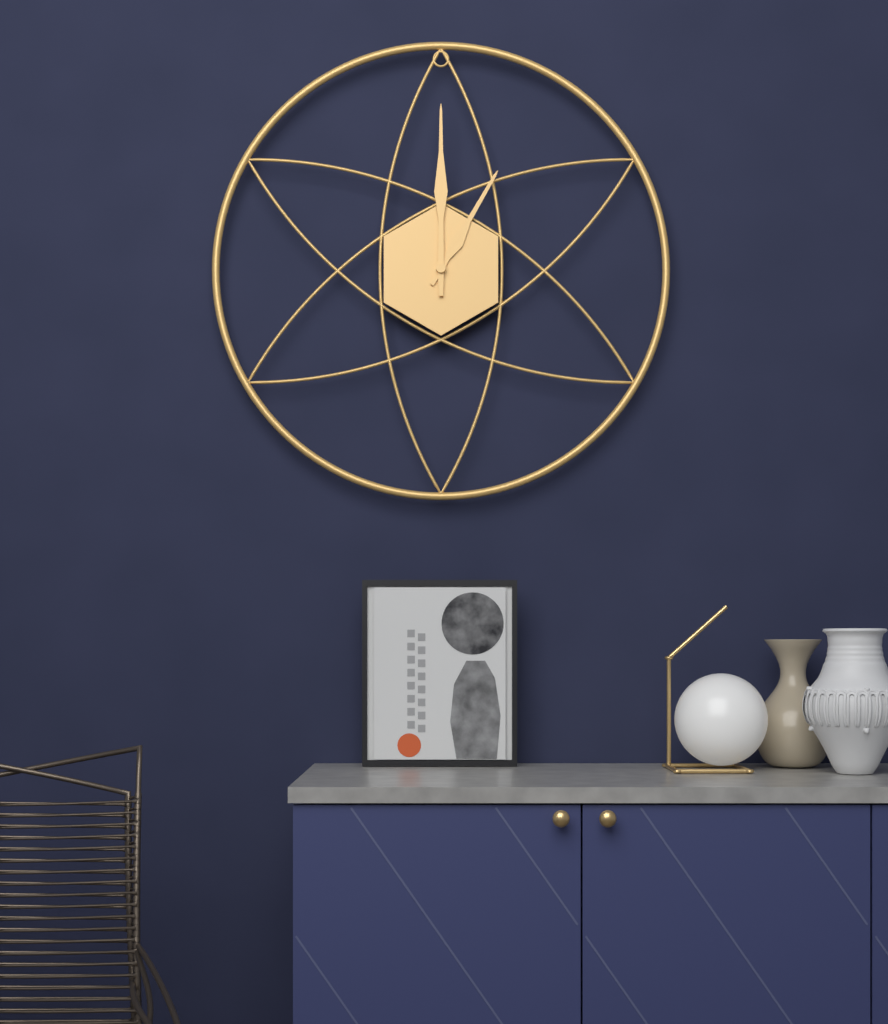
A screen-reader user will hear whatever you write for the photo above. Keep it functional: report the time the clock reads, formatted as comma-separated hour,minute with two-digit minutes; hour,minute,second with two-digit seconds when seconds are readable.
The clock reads 1,00
